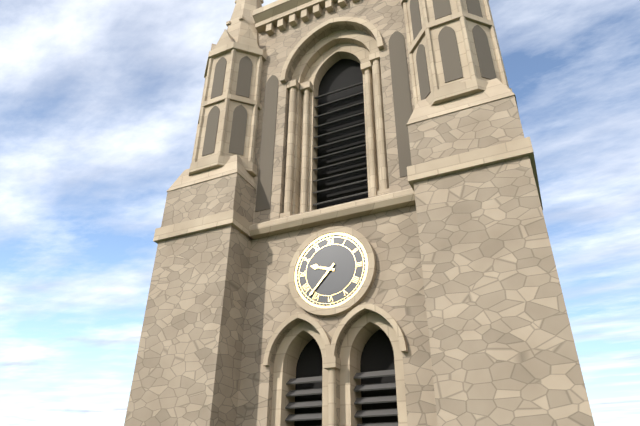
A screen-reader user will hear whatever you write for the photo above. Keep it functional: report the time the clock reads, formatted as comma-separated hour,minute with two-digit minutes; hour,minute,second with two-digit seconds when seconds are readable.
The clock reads 9,37
